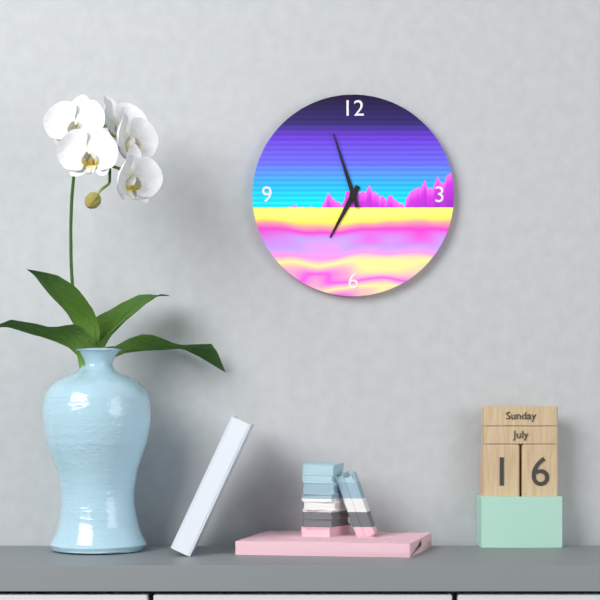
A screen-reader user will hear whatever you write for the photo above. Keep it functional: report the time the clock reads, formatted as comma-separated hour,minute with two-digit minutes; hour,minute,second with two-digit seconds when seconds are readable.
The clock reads 6,57
